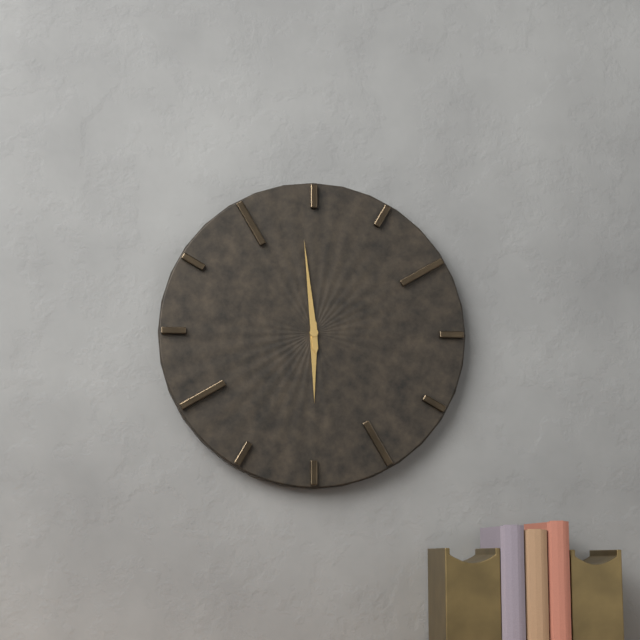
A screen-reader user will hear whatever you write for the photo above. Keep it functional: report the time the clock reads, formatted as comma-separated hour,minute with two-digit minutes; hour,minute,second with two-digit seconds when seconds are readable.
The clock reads 5,59
